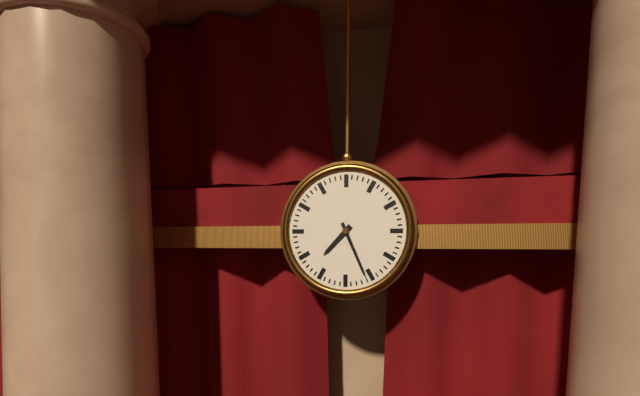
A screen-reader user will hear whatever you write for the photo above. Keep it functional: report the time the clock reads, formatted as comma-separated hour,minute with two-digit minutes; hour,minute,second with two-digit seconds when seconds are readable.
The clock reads 7,26
